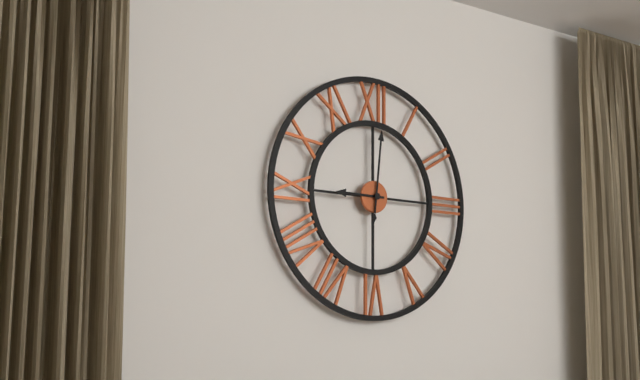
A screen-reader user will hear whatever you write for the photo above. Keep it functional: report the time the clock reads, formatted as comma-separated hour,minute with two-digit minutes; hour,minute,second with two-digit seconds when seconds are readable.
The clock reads 9,01
